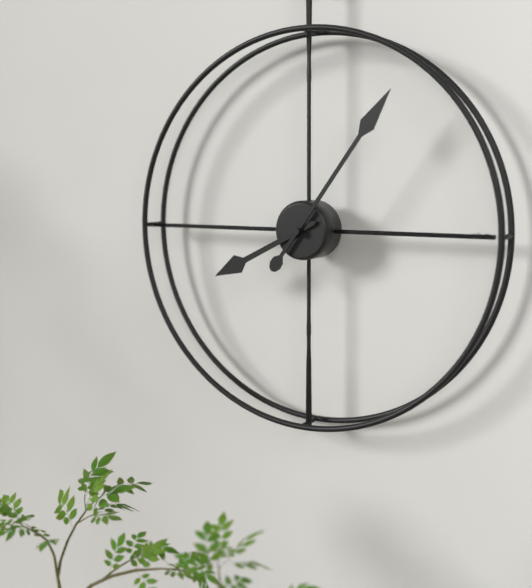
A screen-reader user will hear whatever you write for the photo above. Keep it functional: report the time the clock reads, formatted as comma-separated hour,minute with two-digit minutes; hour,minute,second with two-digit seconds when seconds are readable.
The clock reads 8,06
